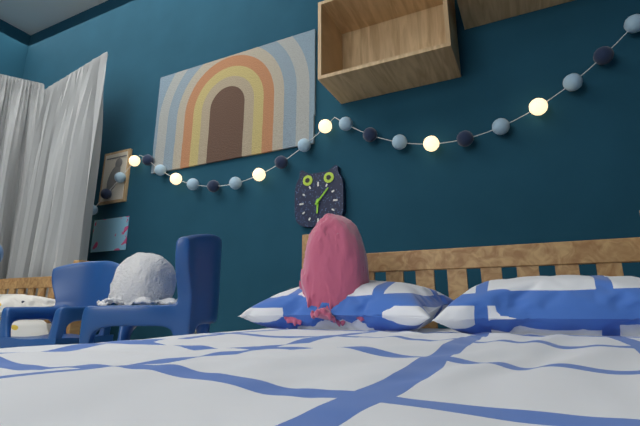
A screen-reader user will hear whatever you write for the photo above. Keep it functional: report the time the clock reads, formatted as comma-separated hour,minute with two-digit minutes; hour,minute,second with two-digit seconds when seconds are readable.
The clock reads 6,07
